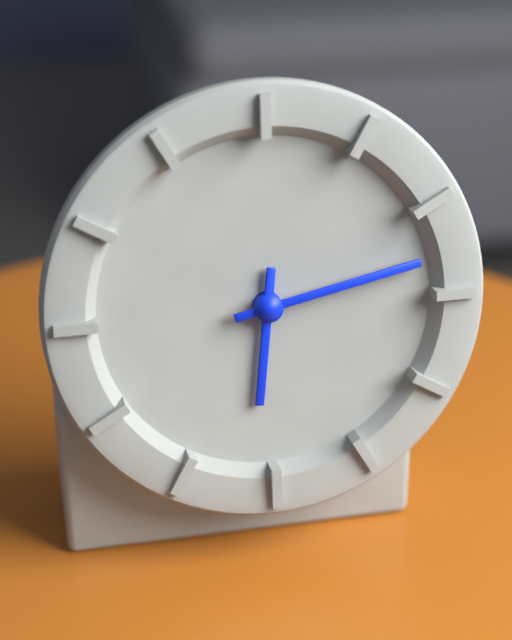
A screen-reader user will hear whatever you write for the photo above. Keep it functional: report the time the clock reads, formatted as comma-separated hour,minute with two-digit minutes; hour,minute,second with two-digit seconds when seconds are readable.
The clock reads 6,13
